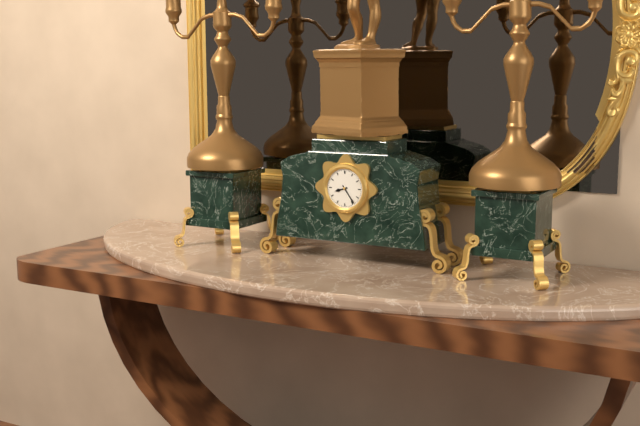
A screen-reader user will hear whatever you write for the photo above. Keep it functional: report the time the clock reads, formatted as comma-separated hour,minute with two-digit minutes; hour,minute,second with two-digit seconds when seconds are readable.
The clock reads 8,24
